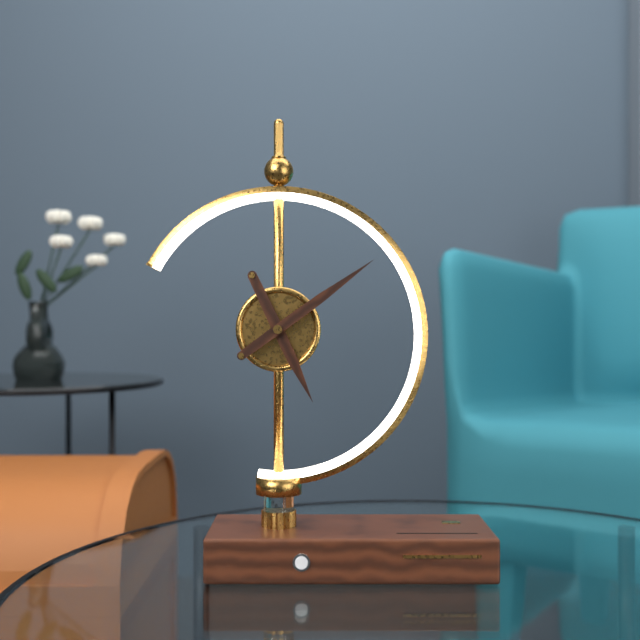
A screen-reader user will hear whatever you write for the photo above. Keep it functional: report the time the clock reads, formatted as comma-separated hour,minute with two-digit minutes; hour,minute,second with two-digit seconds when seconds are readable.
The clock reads 5,09
